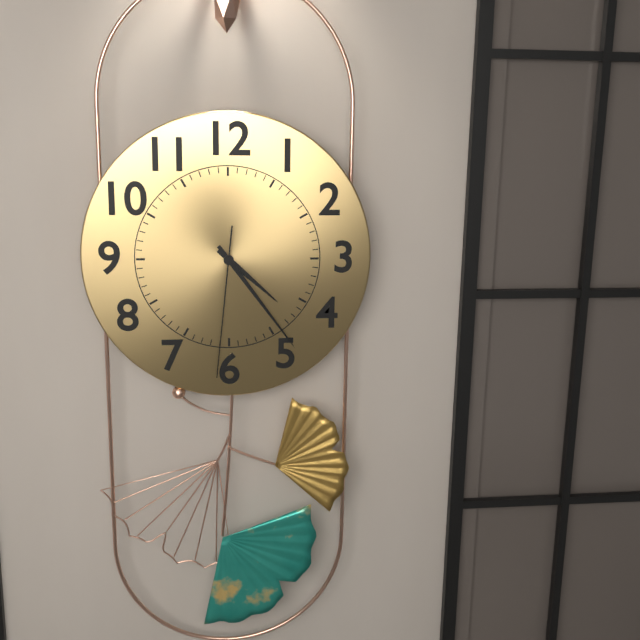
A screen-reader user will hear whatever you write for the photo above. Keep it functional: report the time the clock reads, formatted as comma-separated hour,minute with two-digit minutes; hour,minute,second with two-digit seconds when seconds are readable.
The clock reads 4,24,31
